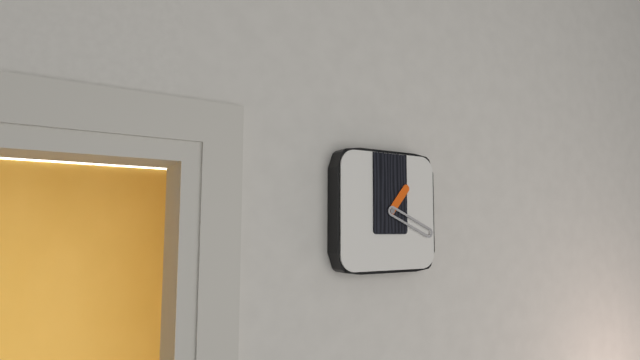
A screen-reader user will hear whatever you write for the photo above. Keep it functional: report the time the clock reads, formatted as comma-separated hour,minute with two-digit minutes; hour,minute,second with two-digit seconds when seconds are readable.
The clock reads 1,19
